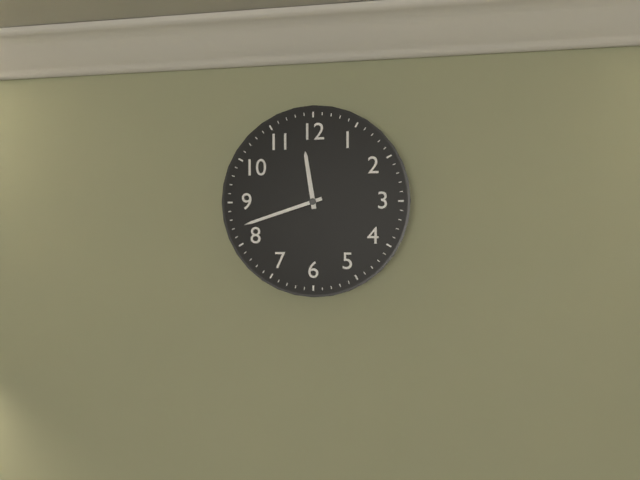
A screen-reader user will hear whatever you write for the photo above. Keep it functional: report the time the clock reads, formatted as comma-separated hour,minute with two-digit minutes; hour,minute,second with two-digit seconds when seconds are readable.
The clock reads 11,42
